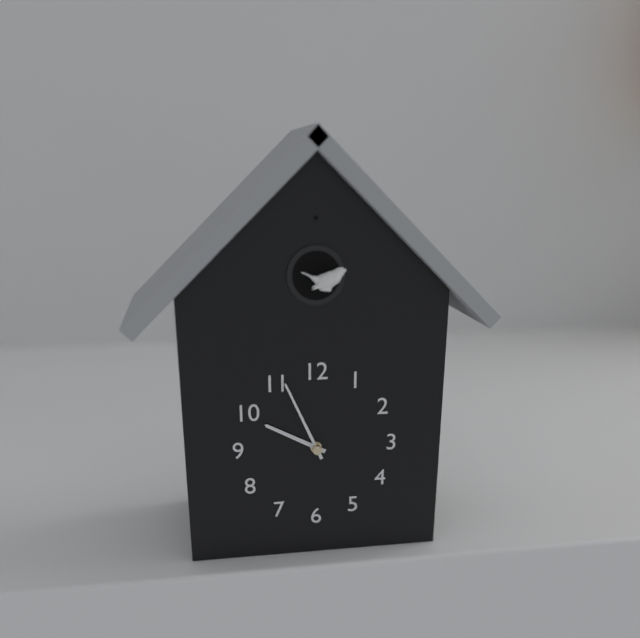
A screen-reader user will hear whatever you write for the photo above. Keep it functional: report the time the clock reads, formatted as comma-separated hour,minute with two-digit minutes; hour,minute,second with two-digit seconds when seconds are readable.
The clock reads 9,56
